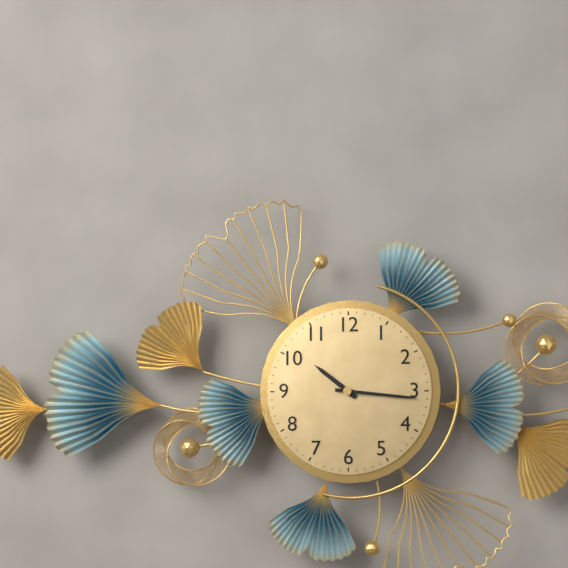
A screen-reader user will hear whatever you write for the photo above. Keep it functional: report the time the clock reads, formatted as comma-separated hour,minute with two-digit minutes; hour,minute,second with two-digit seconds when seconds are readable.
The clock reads 10,16
